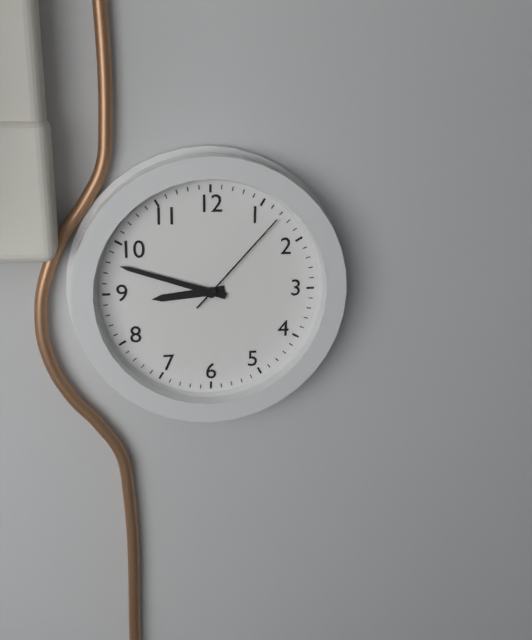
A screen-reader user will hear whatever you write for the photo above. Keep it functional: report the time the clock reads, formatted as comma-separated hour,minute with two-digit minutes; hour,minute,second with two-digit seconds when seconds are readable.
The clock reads 8,48,07
